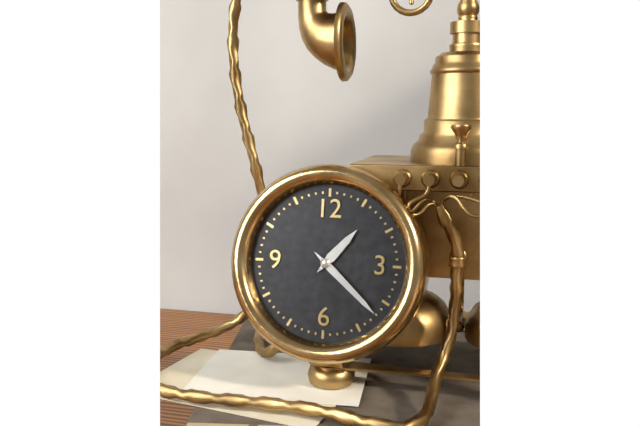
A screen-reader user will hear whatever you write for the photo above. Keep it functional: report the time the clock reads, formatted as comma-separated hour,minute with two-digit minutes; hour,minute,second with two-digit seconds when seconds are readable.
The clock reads 1,22
